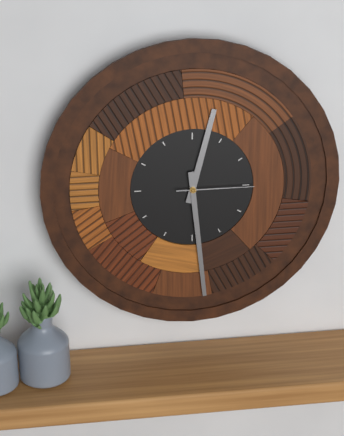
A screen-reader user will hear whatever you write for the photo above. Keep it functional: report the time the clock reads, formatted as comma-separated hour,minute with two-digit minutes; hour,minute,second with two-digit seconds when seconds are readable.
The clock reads 12,29,15
